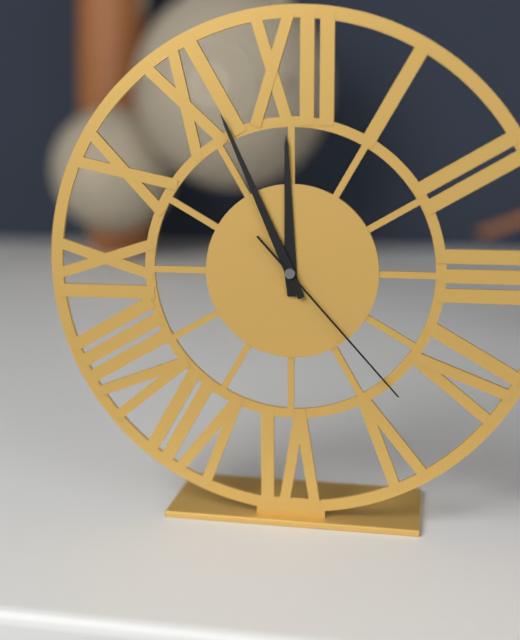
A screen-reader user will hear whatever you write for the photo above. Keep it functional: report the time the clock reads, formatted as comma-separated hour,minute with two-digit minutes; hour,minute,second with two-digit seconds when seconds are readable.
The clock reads 11,56,23
